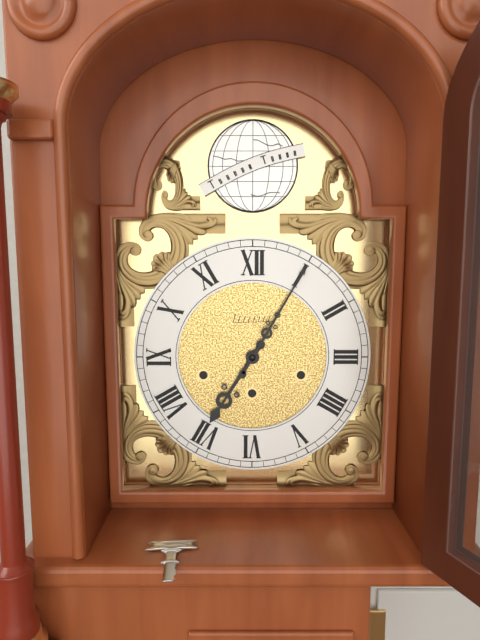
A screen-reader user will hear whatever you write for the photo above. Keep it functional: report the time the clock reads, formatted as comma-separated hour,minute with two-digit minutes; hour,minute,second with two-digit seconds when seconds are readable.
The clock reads 7,05
